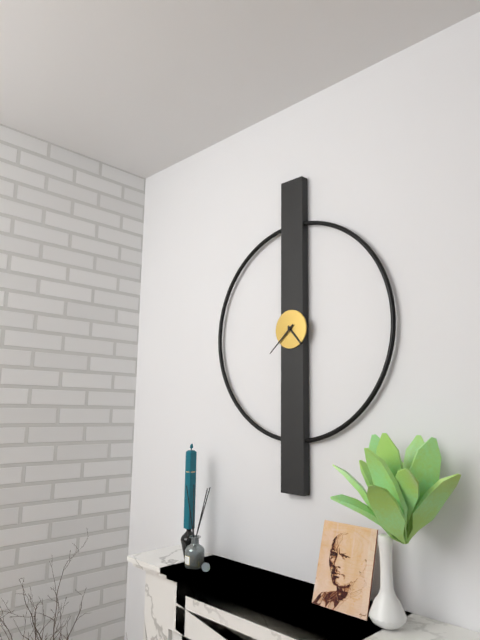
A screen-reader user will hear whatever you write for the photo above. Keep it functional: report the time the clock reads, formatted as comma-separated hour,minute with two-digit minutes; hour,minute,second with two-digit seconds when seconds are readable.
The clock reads 4,38
